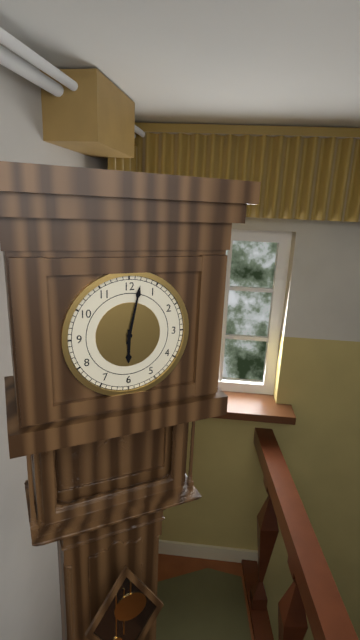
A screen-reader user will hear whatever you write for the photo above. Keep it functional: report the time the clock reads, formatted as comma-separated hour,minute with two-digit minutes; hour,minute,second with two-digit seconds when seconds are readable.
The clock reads 6,02
